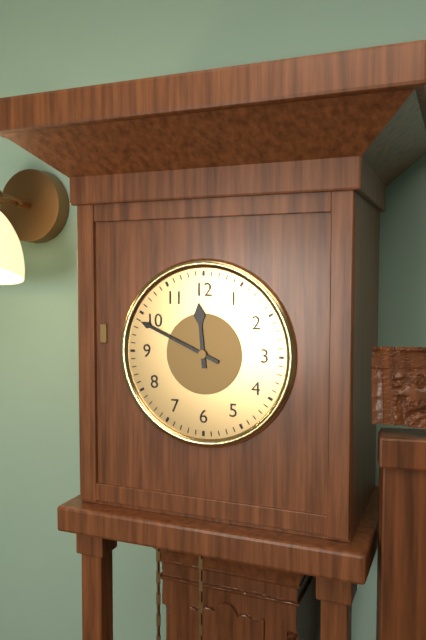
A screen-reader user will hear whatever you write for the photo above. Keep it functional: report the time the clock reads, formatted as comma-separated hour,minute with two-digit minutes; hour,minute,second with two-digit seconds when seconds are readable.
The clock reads 11,49
